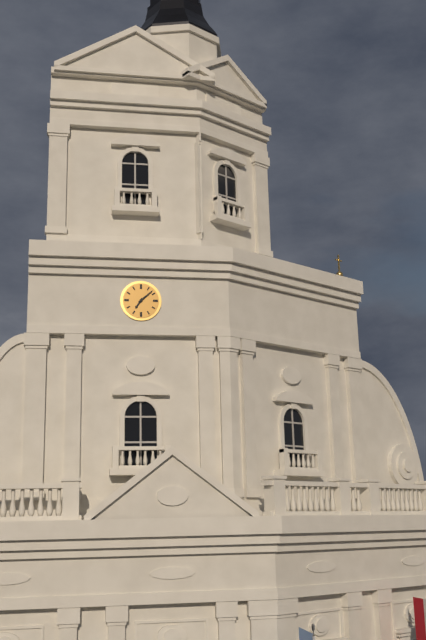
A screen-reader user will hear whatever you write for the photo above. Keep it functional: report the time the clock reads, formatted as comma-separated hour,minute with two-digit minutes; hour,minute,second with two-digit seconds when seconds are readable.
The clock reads 7,08
